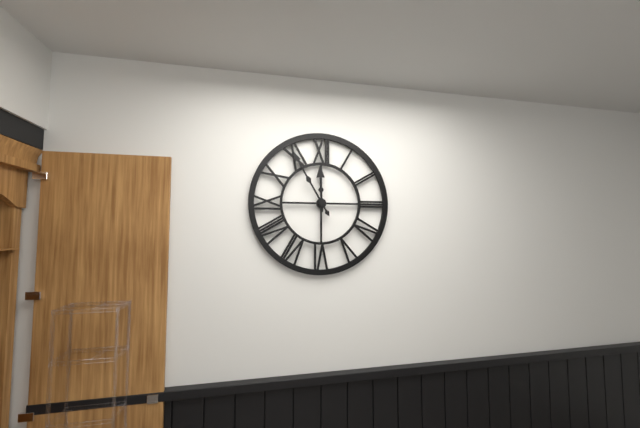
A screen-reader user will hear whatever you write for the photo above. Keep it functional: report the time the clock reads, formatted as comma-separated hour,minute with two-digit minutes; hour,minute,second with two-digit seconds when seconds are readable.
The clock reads 11,55
